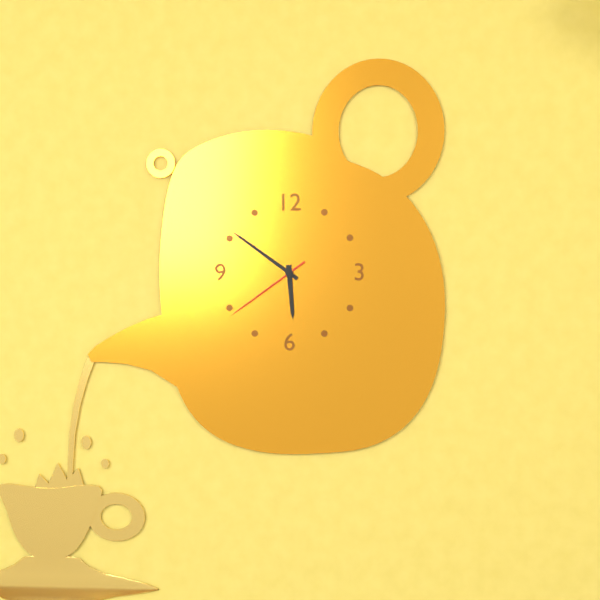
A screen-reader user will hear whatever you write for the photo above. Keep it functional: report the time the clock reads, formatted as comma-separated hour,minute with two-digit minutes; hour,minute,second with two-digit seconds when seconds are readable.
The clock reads 5,51,39
